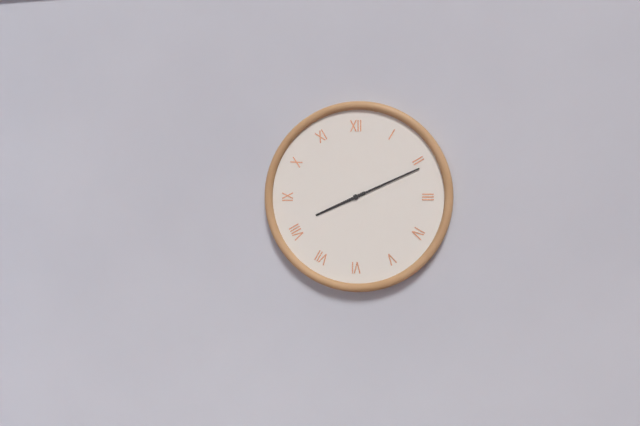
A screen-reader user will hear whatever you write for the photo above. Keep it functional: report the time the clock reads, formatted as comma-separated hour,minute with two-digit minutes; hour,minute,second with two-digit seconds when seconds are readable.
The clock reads 8,11
